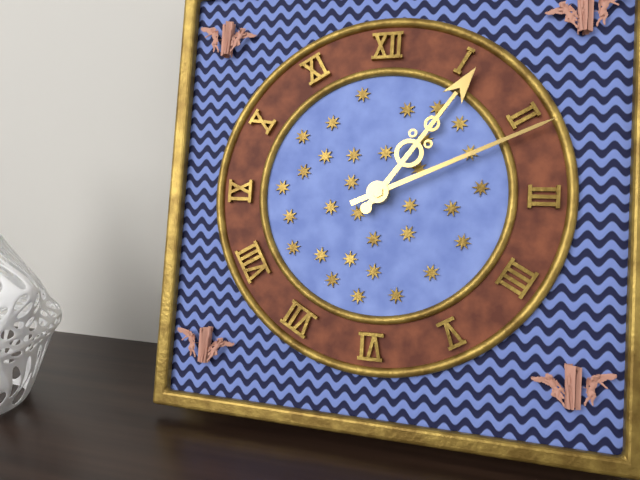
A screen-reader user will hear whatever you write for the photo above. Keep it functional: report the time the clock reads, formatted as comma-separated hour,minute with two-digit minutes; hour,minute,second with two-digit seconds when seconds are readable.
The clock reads 1,11
